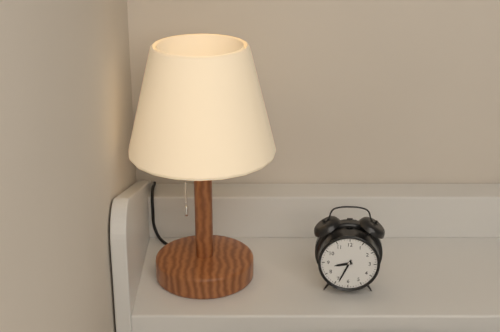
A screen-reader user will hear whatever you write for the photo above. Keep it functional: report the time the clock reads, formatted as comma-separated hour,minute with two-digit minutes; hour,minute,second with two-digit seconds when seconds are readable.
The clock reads 8,34
